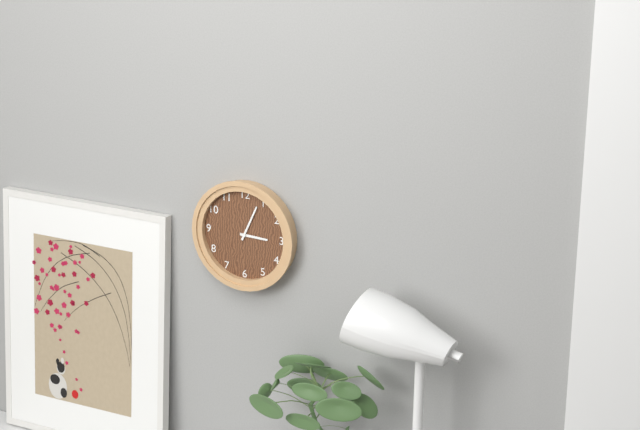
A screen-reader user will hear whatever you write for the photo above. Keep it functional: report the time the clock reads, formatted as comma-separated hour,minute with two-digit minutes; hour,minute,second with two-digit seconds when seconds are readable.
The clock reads 3,04
